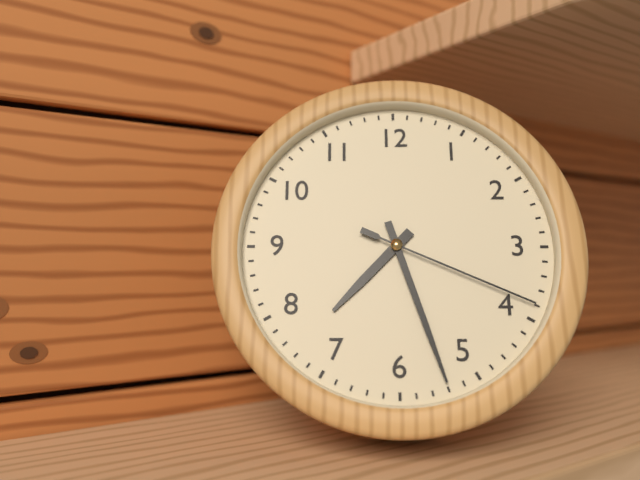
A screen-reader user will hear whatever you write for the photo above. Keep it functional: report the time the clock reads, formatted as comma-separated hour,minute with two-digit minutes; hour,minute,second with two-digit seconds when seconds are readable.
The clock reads 7,27,19
